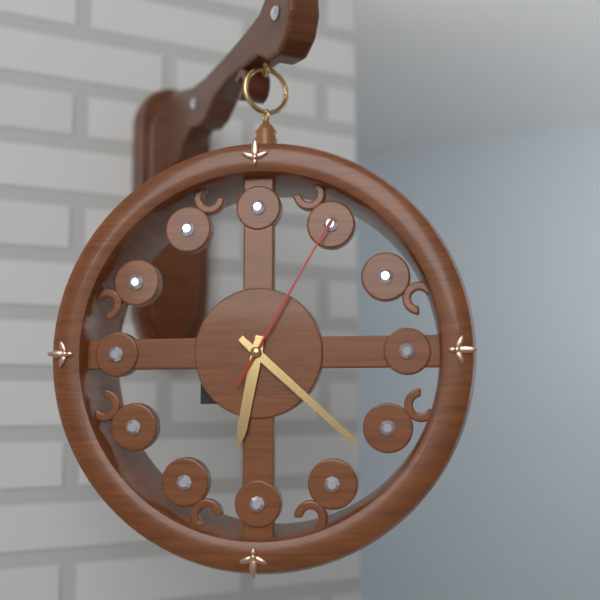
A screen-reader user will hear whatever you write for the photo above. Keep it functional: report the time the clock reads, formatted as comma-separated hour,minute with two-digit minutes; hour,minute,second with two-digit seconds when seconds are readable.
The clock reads 6,22,05
